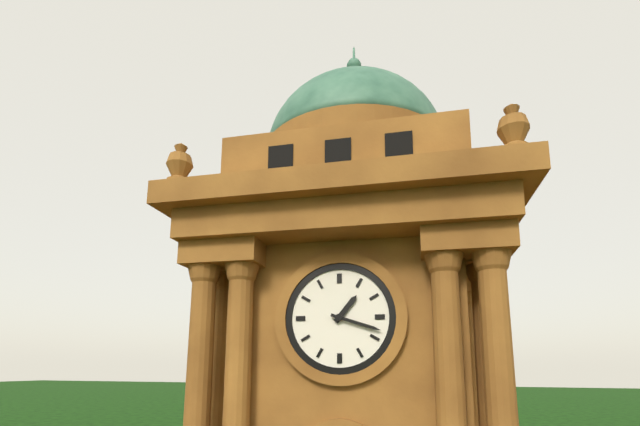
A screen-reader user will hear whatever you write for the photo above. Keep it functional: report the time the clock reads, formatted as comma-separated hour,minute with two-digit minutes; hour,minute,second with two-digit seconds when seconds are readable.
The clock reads 1,18
